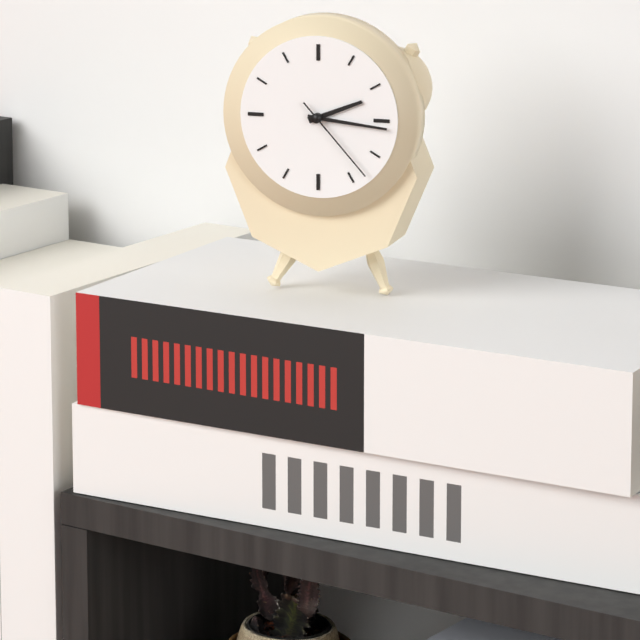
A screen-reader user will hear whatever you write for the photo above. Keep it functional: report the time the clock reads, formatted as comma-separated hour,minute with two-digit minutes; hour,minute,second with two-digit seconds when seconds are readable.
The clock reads 2,16,23
